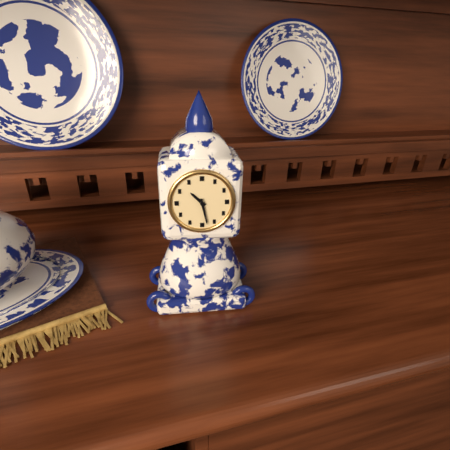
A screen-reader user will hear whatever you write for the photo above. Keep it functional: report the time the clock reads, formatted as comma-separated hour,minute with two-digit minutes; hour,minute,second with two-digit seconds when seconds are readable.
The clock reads 10,28
